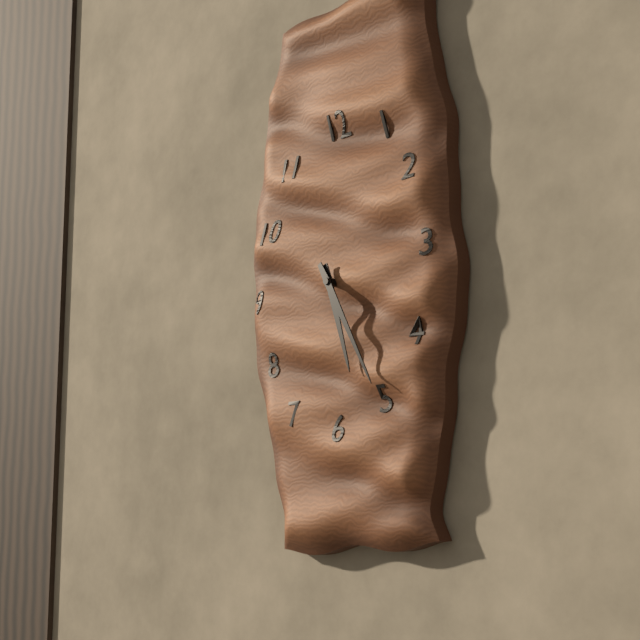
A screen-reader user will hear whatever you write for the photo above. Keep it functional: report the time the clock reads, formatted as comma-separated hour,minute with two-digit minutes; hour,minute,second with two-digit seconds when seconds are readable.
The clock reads 5,25
